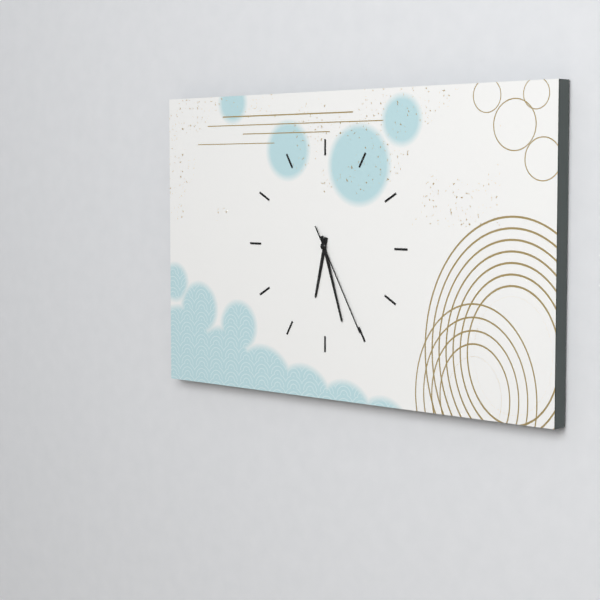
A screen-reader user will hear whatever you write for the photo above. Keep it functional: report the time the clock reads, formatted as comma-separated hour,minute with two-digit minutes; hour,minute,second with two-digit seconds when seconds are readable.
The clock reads 6,27,25
